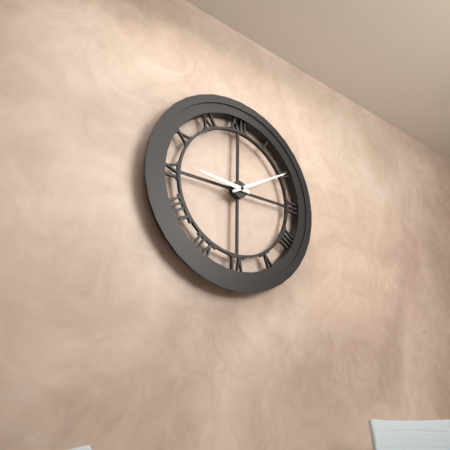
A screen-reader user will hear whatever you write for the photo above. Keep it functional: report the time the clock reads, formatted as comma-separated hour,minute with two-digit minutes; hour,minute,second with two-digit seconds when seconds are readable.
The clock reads 9,10
